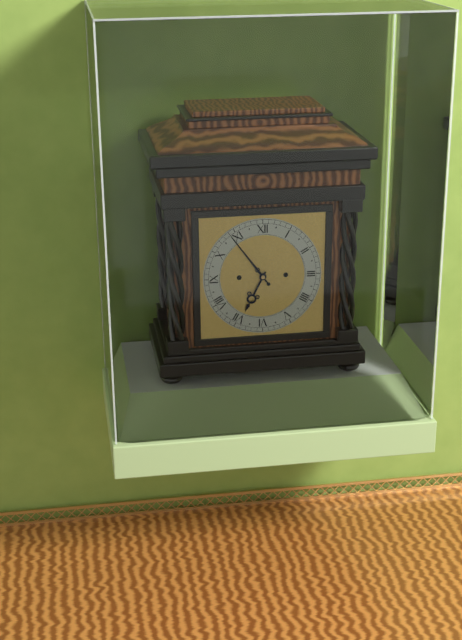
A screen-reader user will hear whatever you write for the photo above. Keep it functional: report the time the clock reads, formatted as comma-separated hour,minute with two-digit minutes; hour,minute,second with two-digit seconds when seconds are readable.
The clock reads 6,54
